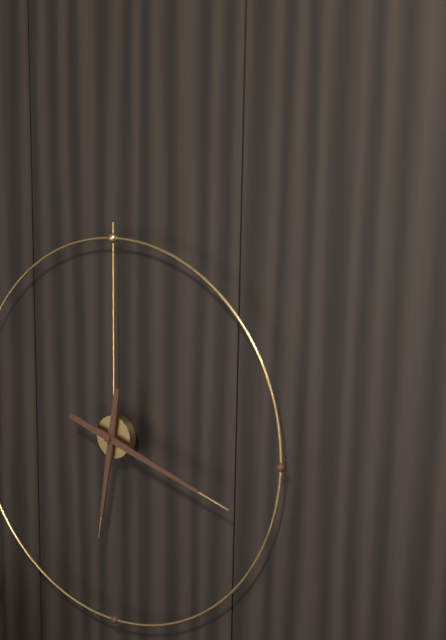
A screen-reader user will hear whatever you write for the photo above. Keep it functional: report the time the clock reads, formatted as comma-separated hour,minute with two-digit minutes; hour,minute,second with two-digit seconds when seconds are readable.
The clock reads 6,18
